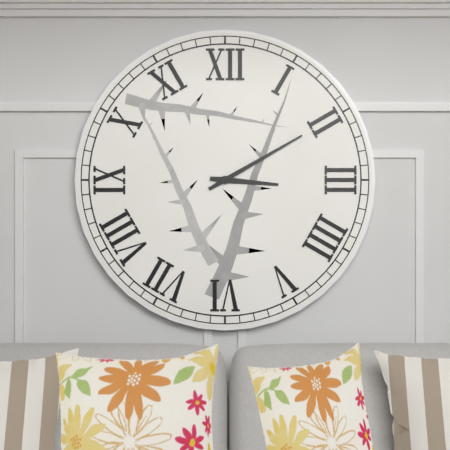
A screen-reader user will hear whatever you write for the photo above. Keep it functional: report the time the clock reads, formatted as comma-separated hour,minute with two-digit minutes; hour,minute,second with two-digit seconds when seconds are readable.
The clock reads 3,10
